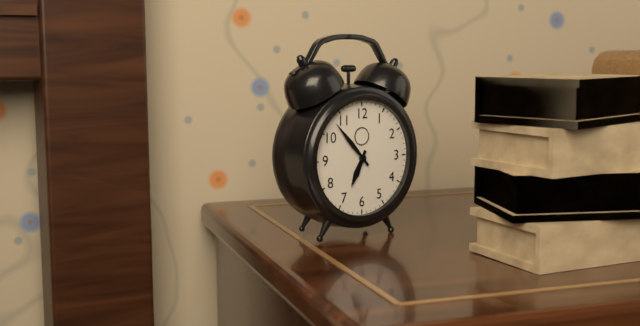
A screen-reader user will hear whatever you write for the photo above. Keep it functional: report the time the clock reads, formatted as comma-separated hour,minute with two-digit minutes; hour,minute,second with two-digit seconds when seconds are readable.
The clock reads 6,53
